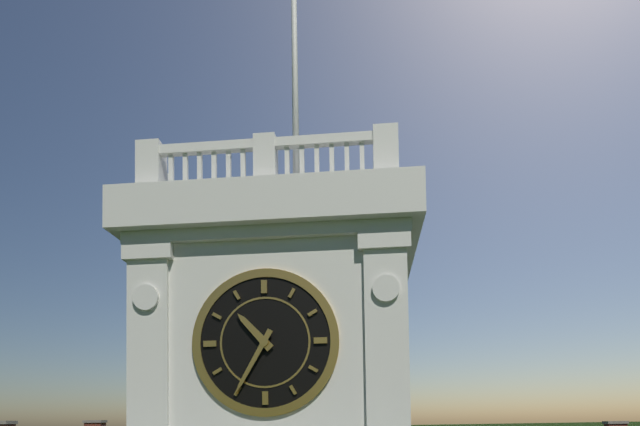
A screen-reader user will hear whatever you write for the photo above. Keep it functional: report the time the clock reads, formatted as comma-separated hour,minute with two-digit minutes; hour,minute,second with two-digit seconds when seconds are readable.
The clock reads 10,35
